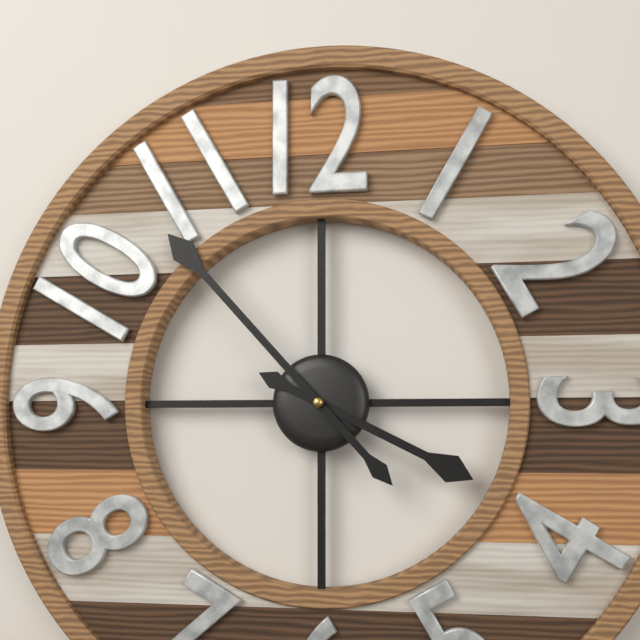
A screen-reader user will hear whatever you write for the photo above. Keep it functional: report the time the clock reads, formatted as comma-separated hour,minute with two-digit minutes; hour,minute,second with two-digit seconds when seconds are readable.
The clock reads 3,53
